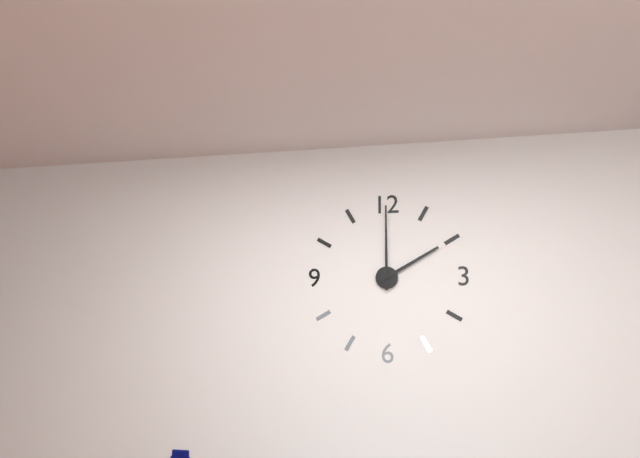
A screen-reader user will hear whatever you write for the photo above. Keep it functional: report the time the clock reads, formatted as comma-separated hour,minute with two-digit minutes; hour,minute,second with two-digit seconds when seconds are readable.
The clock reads 2,00
